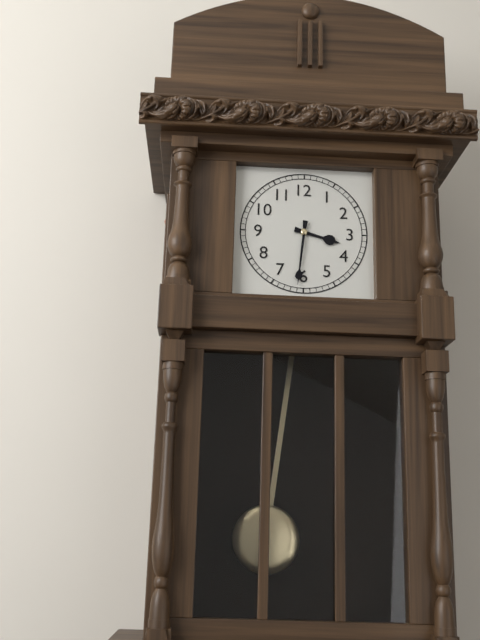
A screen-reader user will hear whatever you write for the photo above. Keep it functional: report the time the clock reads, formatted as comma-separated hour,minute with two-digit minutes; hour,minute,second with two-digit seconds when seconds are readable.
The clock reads 3,31
